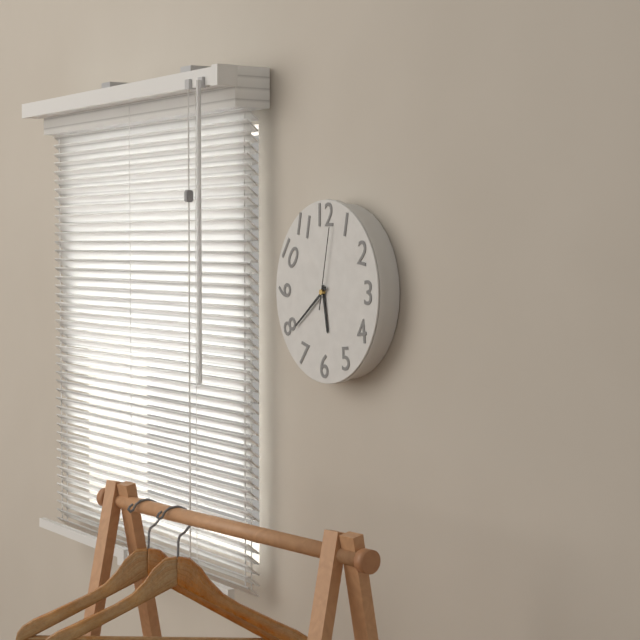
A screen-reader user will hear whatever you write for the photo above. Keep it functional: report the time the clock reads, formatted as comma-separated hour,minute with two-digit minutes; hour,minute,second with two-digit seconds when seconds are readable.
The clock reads 5,39,02
